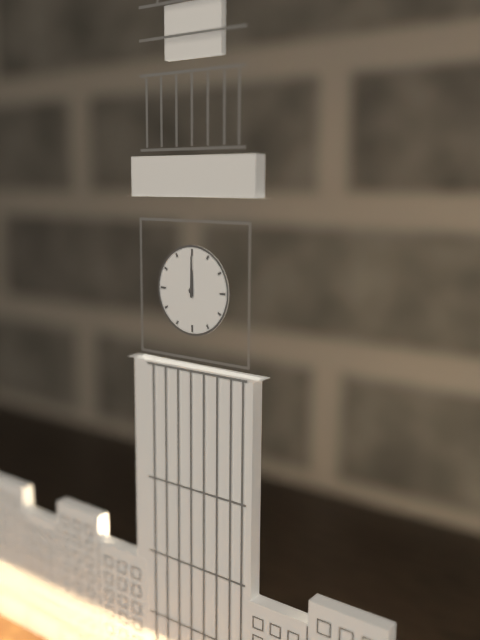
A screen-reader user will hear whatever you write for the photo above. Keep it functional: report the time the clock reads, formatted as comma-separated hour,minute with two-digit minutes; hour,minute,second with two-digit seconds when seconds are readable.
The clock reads 12,00
